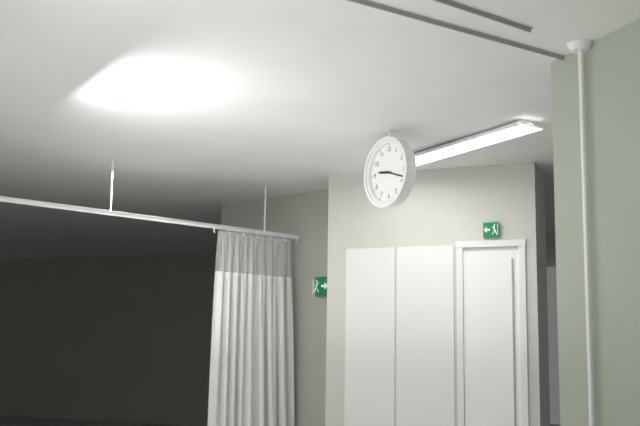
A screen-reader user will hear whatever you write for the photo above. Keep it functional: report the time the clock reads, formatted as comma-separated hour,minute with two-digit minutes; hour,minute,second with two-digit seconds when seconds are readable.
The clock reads 9,18
